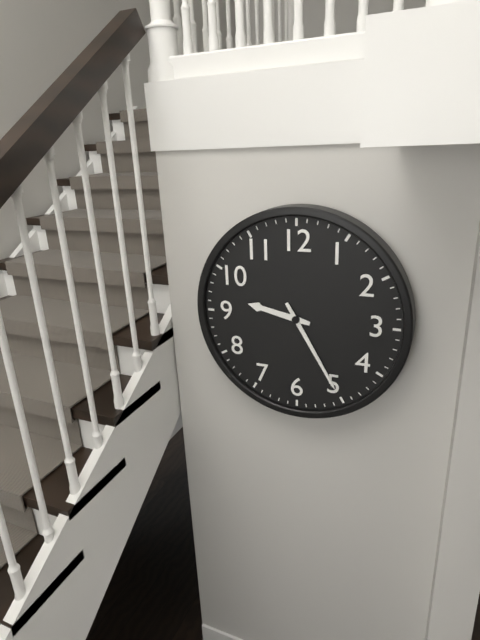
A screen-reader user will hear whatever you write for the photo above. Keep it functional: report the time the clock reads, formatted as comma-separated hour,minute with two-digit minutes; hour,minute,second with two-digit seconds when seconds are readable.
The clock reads 9,25
